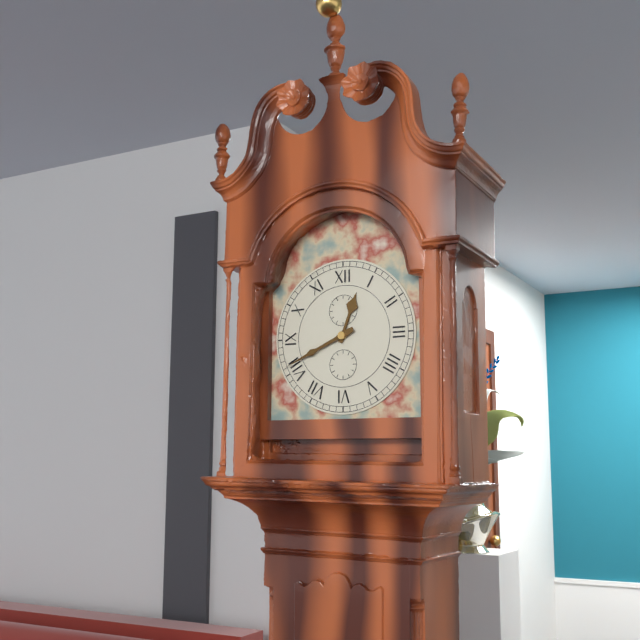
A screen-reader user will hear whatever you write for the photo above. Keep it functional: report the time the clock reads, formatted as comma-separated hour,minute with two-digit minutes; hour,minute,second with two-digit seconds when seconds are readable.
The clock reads 12,41
